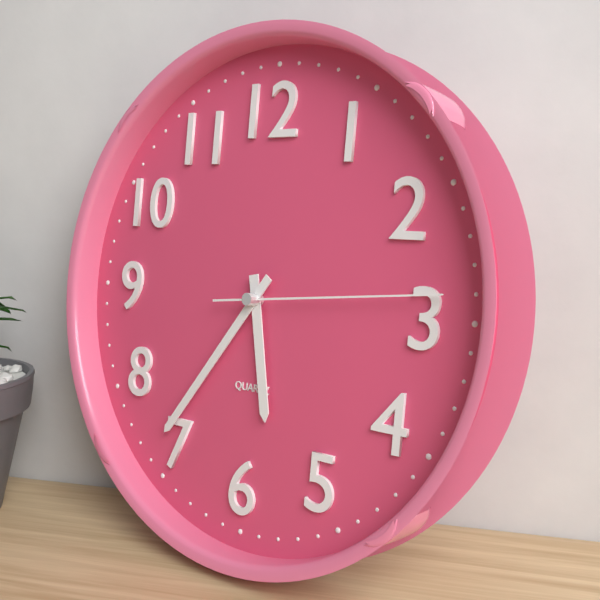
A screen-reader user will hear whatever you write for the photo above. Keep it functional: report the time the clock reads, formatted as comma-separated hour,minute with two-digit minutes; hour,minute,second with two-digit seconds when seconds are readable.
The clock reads 5,36,14
